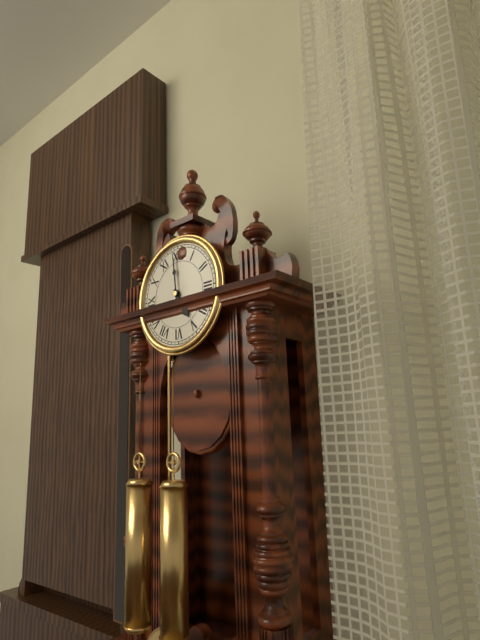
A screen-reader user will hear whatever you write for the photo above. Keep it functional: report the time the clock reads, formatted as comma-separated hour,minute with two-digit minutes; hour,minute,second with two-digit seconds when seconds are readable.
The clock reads 4,59
